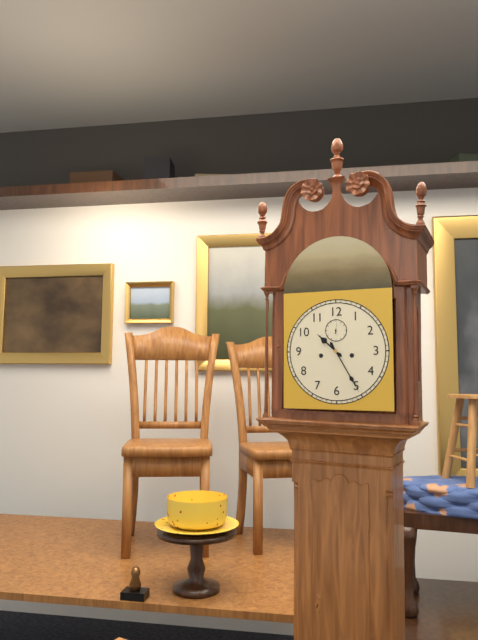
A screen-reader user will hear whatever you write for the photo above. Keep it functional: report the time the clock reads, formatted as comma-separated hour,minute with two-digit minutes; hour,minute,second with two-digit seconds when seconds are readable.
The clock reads 10,25
